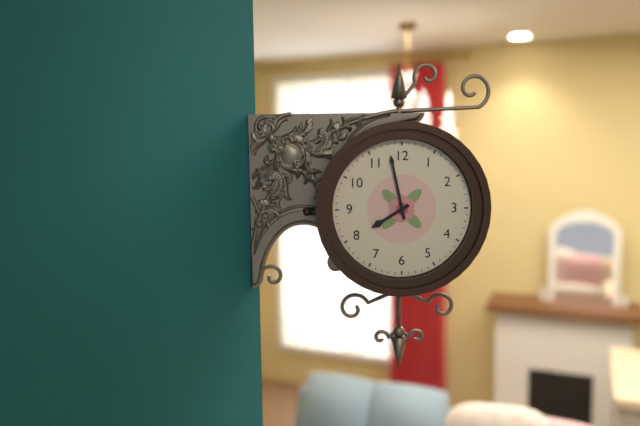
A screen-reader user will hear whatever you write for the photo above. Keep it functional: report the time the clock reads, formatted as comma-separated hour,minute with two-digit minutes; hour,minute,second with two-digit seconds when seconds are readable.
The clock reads 7,58
